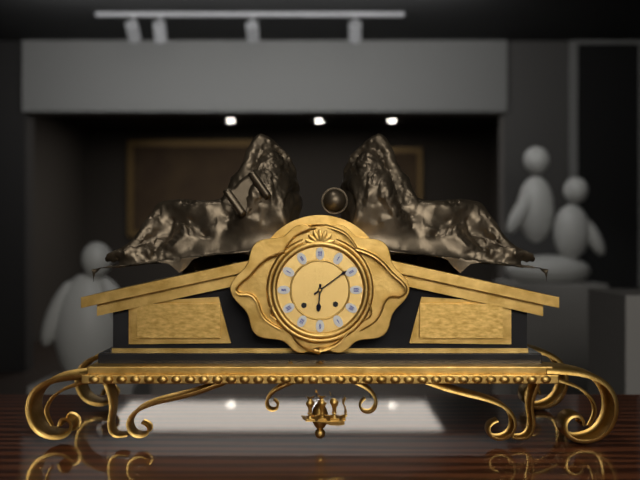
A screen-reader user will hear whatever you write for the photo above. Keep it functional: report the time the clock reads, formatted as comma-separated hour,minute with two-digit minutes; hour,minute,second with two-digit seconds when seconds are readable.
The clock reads 6,09
